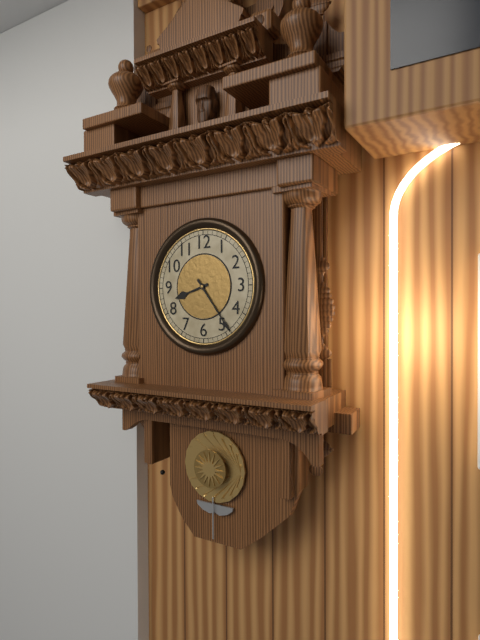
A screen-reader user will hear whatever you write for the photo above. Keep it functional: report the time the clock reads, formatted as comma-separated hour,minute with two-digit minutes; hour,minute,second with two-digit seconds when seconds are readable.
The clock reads 8,24
